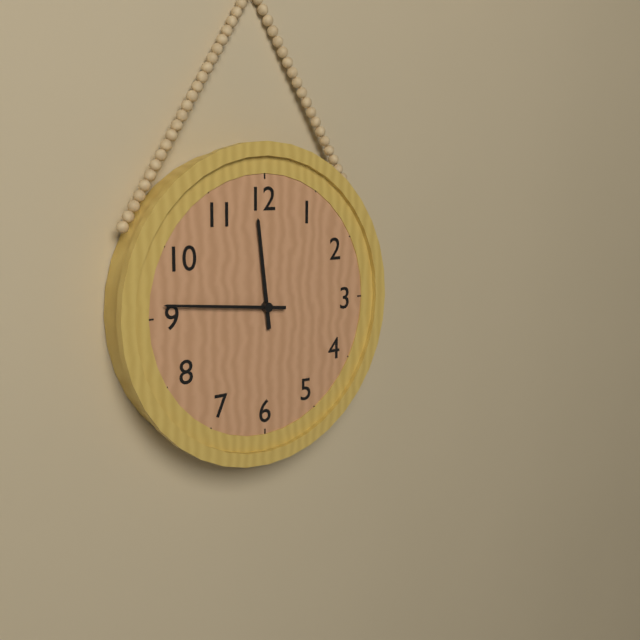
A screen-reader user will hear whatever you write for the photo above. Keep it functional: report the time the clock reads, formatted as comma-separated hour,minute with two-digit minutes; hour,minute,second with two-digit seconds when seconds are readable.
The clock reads 11,46
